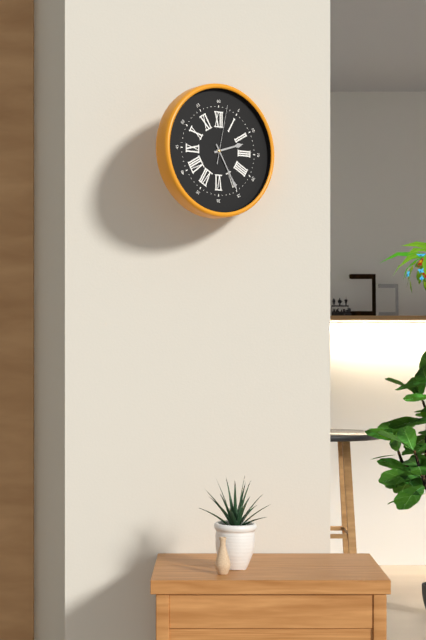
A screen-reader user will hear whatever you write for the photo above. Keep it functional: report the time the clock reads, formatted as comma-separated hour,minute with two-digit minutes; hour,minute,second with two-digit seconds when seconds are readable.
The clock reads 2,25,02
